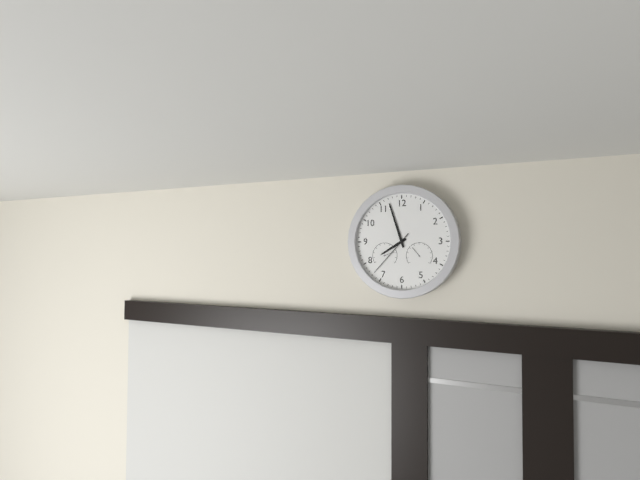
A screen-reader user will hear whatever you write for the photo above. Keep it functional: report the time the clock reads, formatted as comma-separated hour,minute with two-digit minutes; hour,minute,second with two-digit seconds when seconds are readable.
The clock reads 7,57,37
